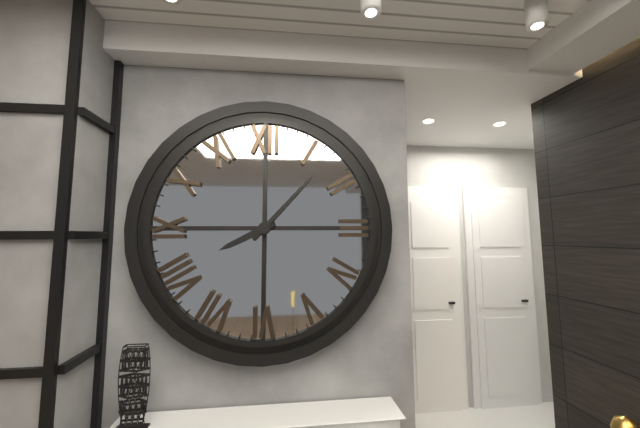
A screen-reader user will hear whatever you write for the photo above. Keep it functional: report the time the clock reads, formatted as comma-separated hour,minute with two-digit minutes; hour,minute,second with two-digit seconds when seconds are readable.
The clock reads 8,07
